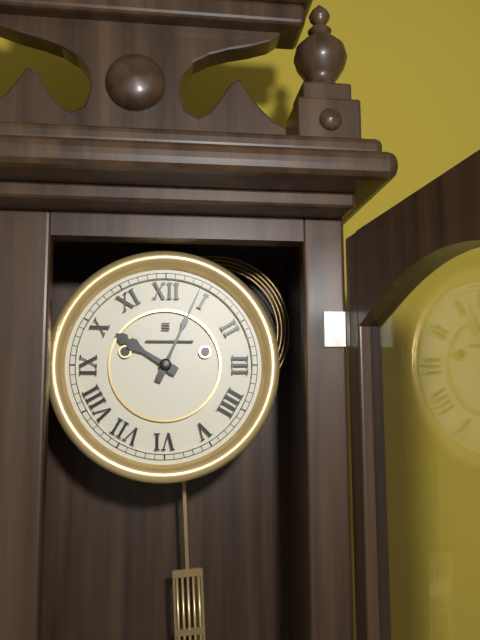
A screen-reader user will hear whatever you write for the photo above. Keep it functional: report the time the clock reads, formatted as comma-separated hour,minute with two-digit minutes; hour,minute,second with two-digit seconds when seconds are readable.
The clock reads 10,04
